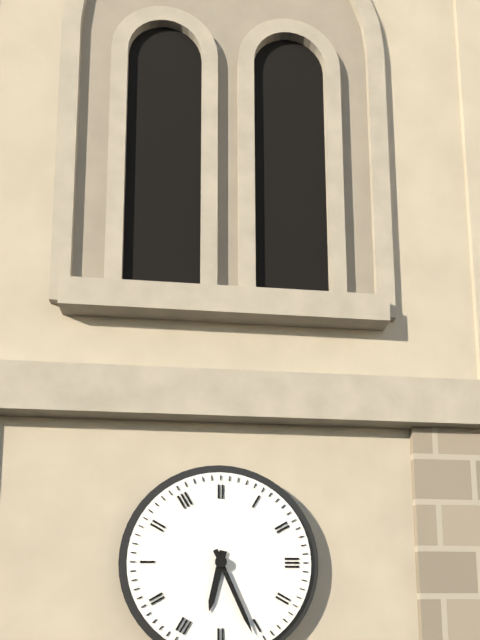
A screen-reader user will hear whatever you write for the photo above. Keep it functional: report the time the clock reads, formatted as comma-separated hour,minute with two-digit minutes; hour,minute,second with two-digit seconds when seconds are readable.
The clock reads 6,26
